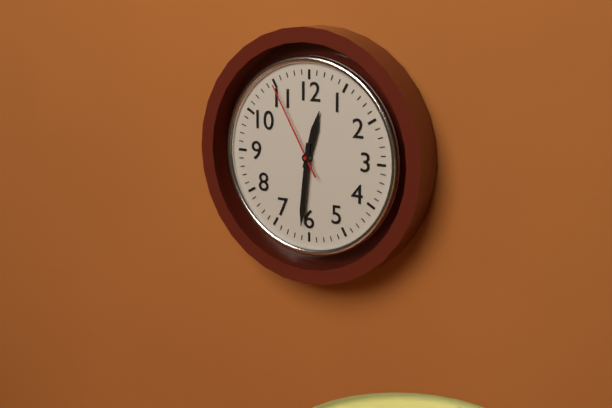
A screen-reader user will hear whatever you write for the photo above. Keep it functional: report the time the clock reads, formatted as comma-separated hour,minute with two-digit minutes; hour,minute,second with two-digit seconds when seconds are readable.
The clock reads 12,31,55
